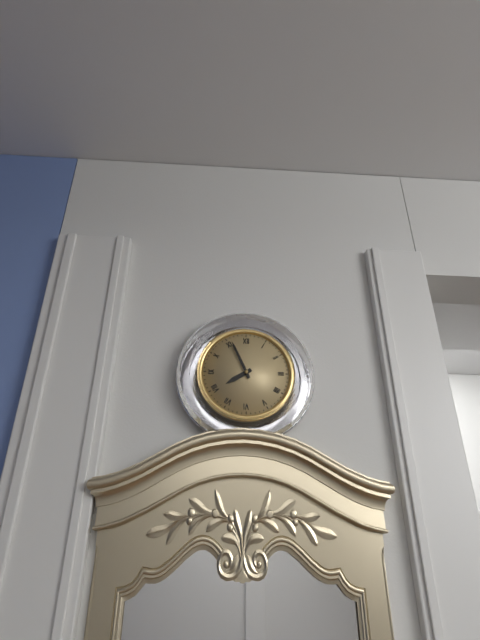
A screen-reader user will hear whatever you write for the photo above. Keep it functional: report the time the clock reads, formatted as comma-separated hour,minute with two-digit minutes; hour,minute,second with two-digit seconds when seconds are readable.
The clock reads 7,56
